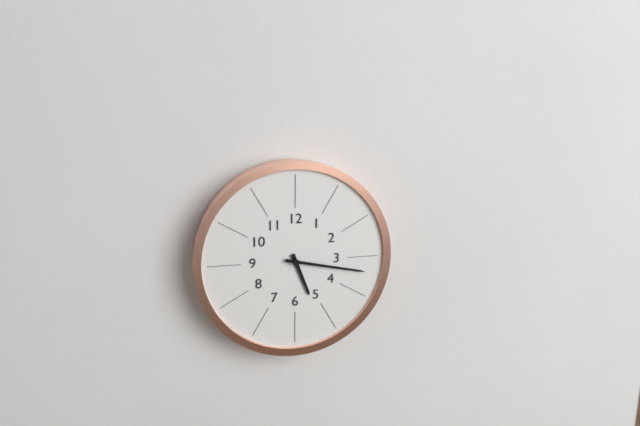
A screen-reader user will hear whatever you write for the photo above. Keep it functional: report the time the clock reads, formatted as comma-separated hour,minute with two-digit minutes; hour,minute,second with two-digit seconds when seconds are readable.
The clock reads 5,17
